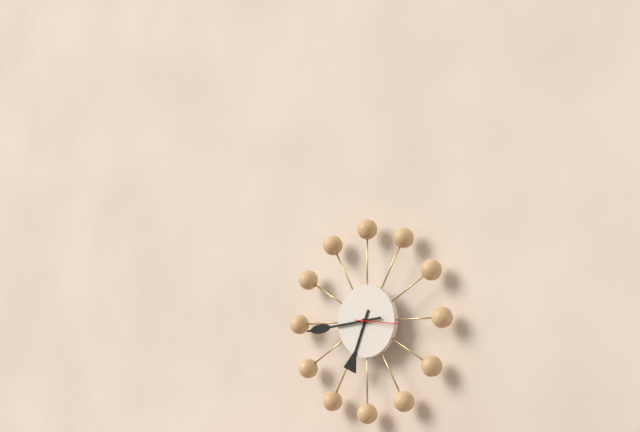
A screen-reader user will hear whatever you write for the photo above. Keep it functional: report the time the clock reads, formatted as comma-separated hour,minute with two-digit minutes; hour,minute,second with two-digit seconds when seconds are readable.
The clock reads 6,44
